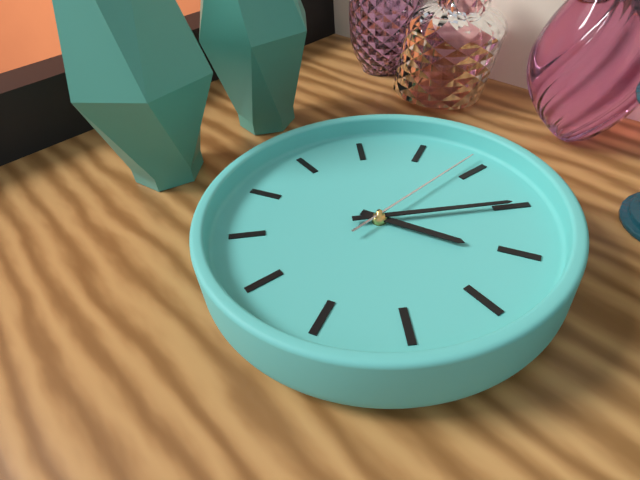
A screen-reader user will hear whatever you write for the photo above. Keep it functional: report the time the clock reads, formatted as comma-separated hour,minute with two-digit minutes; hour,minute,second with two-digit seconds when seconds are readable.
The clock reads 3,10,04
